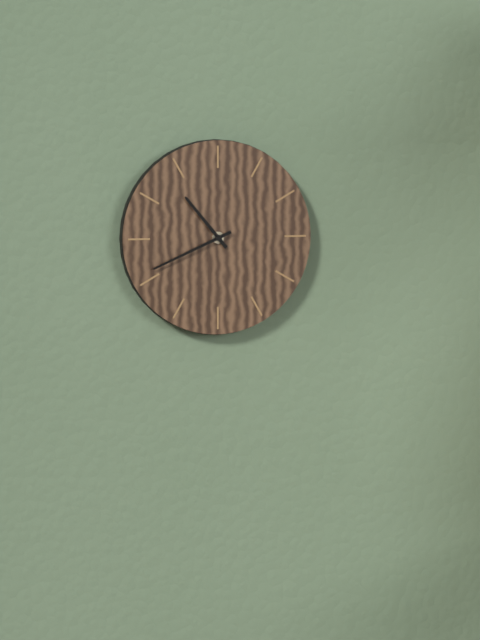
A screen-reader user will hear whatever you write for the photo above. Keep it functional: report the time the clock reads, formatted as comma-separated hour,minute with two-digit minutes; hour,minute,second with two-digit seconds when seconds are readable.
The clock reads 10,41
